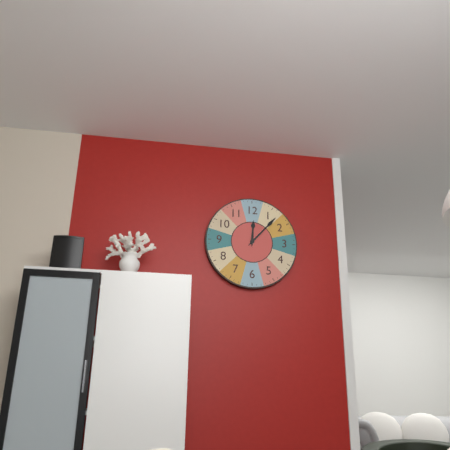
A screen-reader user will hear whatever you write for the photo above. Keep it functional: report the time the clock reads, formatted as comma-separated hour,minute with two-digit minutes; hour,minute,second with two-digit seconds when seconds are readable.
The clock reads 12,07
